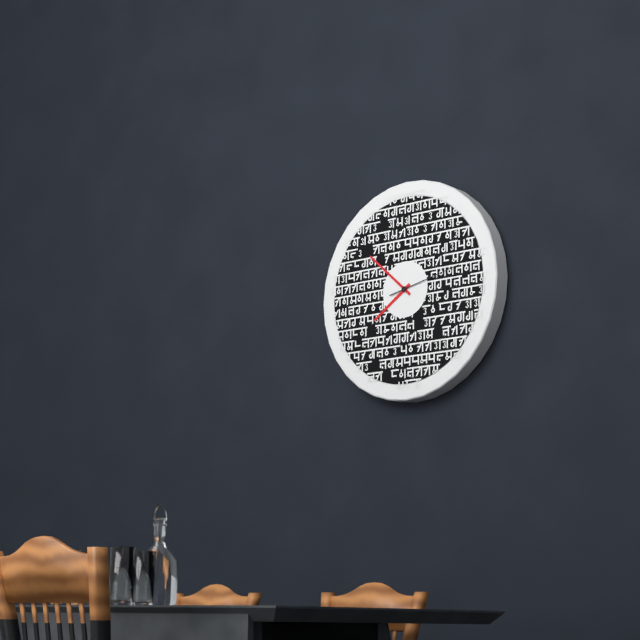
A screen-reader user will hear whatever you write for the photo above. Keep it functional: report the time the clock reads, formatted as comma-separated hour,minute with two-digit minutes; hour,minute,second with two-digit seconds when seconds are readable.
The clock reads 7,52,13
